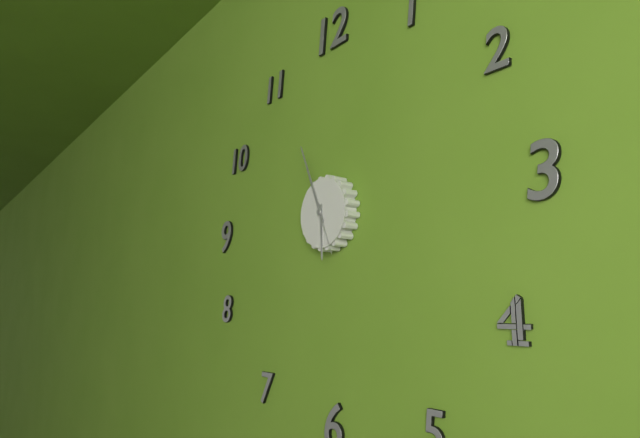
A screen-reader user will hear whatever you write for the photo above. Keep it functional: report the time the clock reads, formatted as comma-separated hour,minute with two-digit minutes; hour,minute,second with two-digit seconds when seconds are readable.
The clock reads 5,56,26
